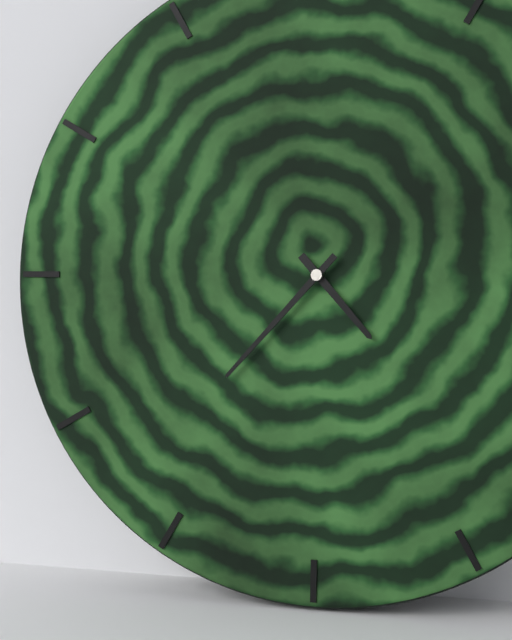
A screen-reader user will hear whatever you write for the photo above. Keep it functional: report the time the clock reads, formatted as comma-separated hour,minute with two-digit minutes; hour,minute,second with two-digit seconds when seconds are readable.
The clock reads 4,37
